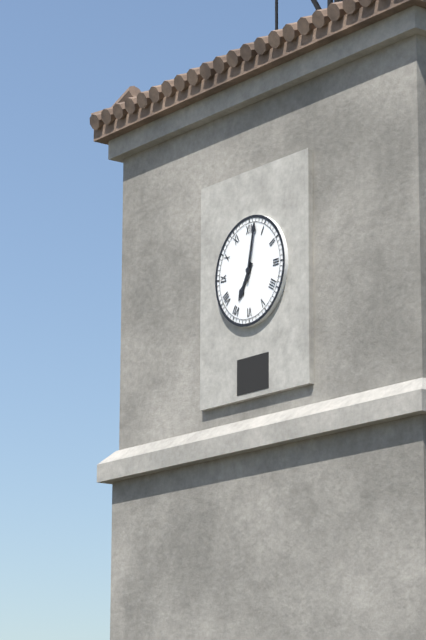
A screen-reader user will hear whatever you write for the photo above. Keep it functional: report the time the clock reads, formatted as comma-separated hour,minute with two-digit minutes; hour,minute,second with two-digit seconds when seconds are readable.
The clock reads 7,02
